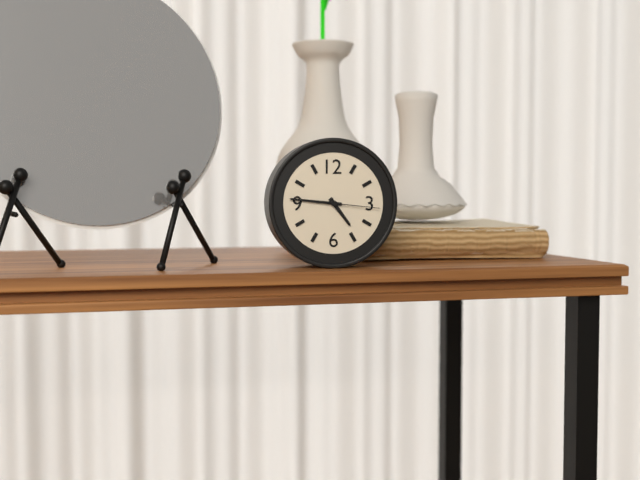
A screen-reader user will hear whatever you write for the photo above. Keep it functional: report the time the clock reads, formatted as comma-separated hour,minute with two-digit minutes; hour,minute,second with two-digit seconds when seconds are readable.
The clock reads 4,46,16
